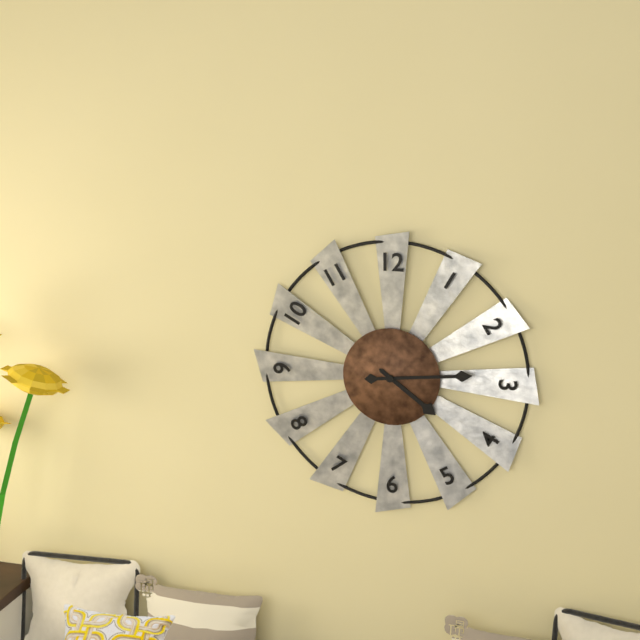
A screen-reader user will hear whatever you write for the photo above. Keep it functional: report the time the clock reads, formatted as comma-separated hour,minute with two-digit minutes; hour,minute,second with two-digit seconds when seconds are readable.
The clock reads 4,14
